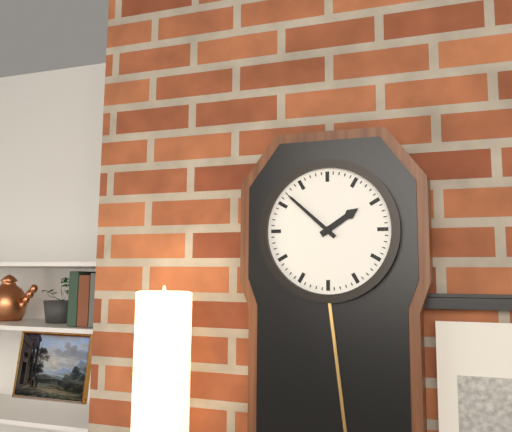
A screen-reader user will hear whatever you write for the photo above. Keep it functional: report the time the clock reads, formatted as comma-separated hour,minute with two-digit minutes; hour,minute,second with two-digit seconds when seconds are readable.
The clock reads 1,52
